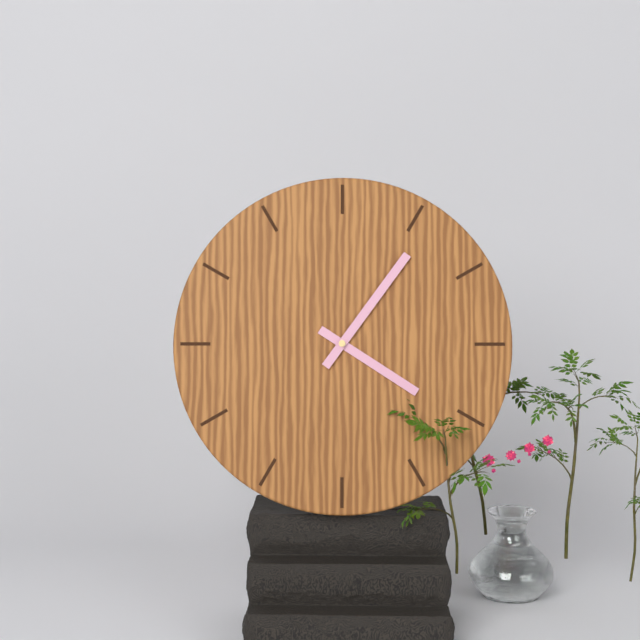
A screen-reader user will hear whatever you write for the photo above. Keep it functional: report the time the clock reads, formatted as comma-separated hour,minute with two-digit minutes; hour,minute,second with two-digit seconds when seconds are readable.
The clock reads 4,06
